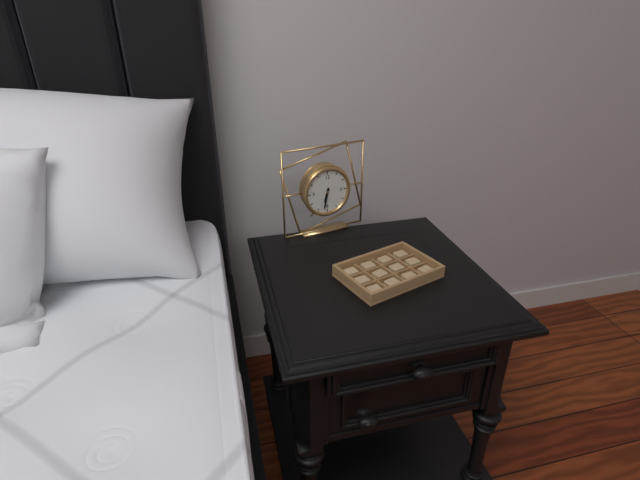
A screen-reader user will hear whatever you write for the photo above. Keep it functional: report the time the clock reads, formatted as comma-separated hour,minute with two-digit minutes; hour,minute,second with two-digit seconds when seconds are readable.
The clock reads 6,32
